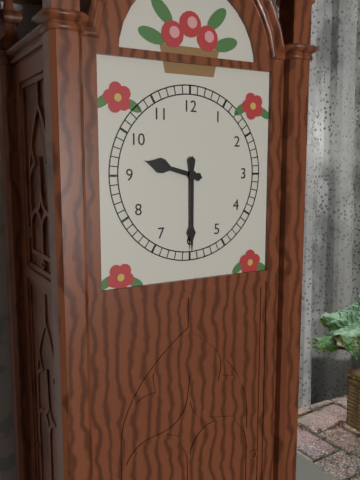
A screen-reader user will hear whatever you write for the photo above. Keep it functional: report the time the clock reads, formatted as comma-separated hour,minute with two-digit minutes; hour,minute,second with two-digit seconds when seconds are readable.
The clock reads 9,30
